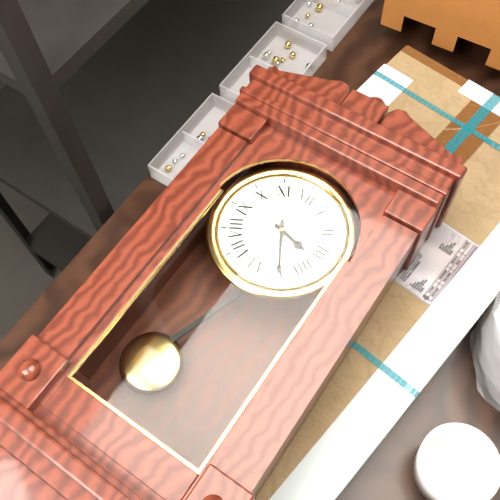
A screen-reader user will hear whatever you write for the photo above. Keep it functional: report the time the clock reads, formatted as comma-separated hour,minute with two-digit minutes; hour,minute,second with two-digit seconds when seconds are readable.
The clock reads 3,25
